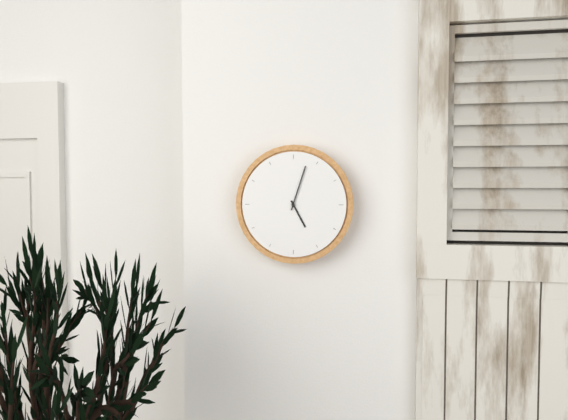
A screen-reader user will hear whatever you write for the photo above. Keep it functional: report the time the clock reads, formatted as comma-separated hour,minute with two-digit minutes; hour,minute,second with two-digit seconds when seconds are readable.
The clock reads 5,03
